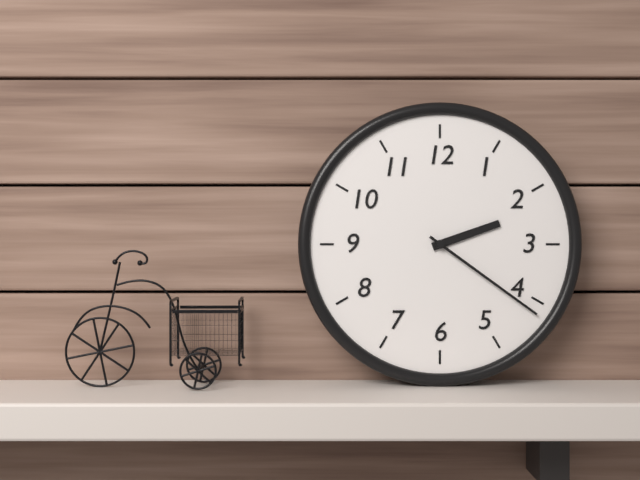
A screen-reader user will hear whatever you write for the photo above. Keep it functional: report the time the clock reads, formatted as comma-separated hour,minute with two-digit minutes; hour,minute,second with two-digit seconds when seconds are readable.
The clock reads 2,21
